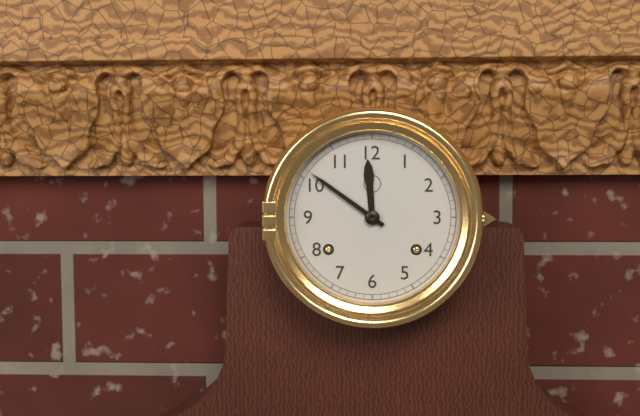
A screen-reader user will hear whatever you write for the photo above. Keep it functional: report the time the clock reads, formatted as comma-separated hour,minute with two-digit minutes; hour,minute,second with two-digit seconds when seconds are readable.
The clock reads 11,51
